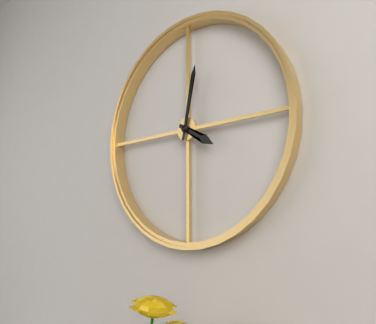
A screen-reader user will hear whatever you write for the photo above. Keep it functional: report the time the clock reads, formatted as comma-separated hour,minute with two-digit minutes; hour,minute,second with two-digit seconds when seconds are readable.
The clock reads 4,02
